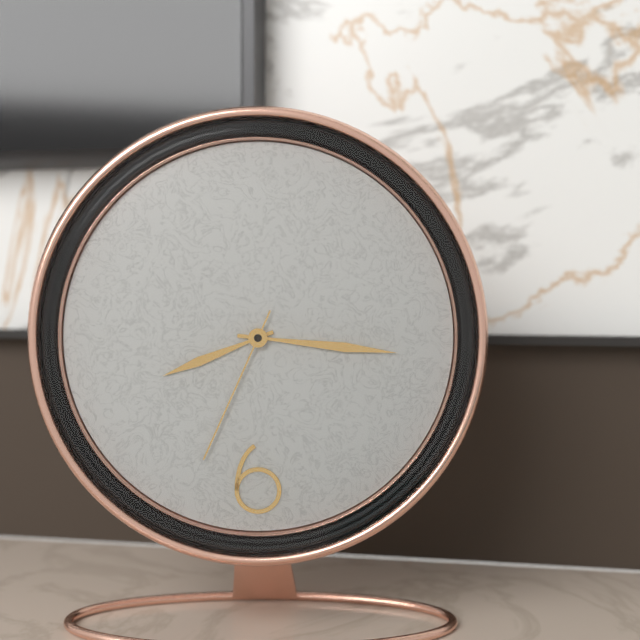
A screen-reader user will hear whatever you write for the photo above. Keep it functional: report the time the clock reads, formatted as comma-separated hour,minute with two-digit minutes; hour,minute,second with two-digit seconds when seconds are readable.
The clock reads 8,16,34
